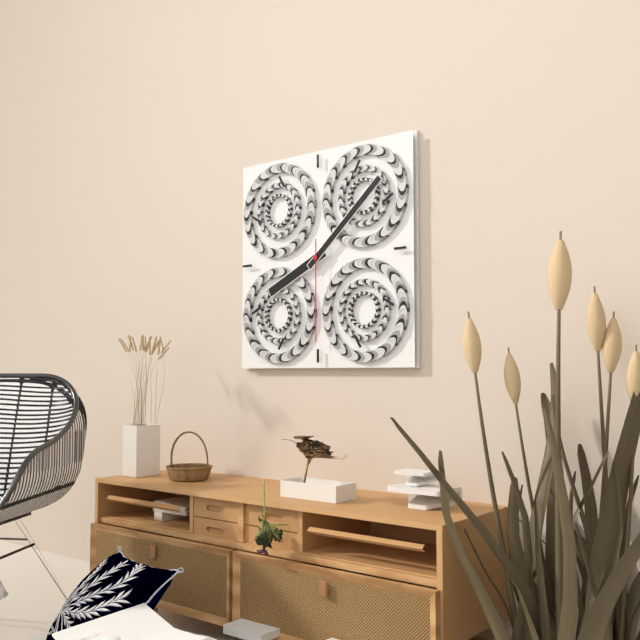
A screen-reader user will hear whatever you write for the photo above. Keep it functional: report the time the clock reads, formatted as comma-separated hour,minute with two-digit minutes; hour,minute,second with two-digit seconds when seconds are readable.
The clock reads 8,08,30
